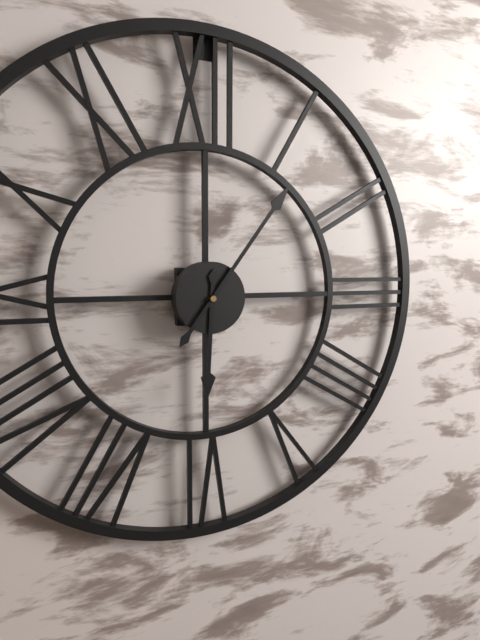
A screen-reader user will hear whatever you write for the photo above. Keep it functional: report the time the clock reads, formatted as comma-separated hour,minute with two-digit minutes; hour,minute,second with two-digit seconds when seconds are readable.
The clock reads 6,06
